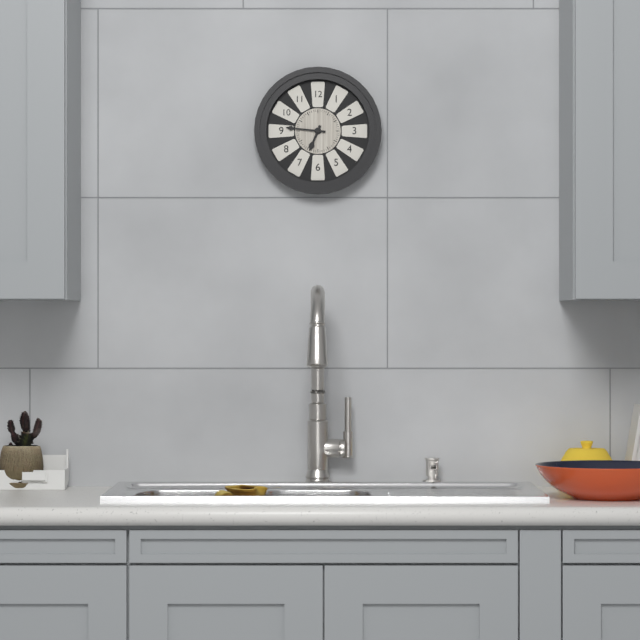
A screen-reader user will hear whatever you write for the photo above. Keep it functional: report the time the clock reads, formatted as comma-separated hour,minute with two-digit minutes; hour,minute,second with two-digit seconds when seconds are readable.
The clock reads 6,46
